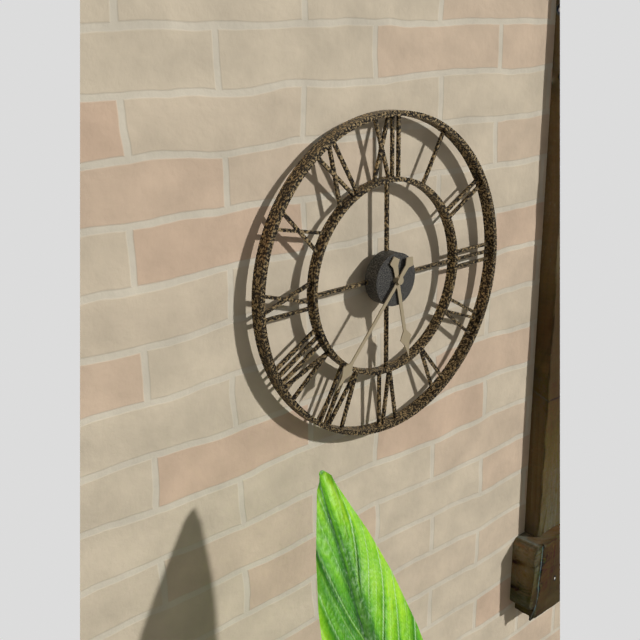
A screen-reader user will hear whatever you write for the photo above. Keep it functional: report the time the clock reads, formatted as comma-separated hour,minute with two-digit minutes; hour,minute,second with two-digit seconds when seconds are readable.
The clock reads 5,37
